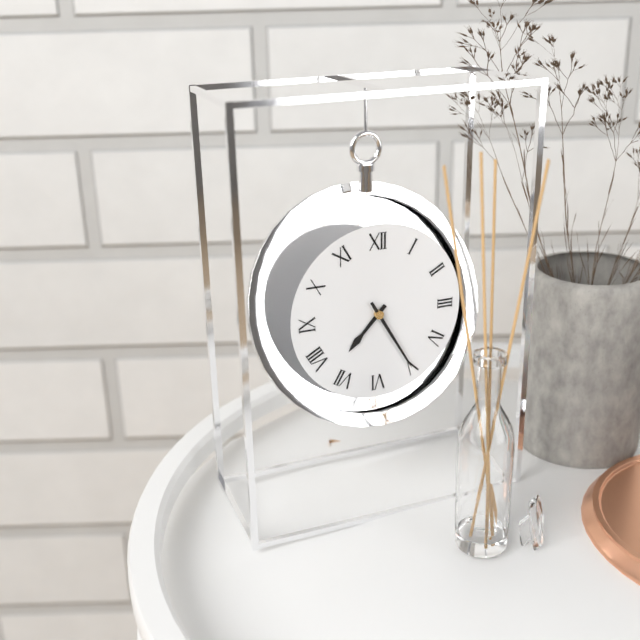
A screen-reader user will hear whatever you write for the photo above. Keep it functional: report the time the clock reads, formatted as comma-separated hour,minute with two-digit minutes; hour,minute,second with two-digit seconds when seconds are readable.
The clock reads 7,25
